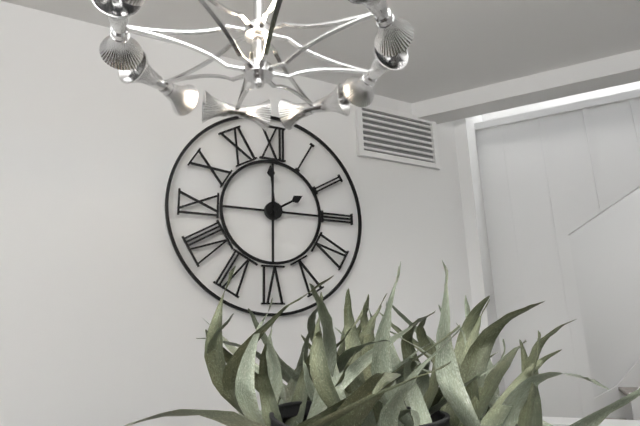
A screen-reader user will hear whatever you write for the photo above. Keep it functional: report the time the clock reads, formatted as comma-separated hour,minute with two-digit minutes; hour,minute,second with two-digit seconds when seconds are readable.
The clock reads 1,59
